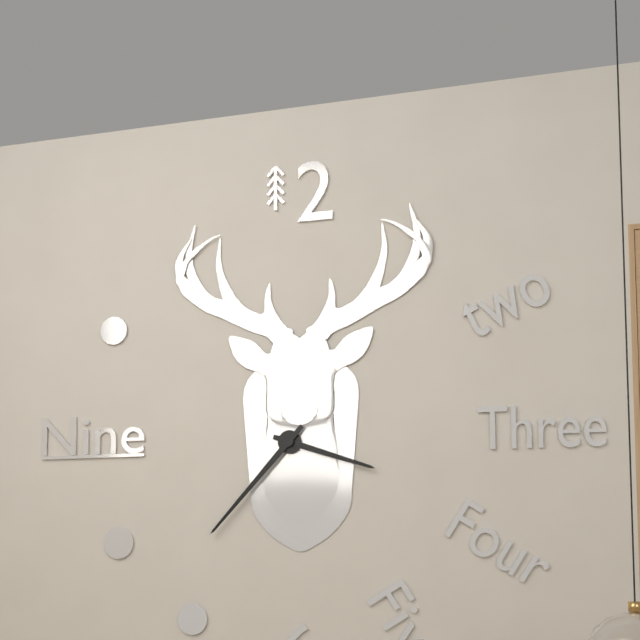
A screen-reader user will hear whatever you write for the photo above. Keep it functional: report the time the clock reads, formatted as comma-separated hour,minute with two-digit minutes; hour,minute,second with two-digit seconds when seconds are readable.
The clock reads 3,37
